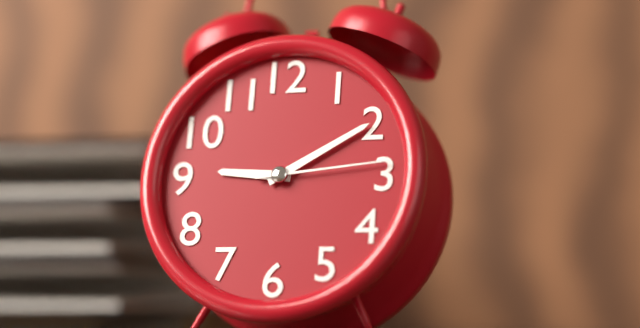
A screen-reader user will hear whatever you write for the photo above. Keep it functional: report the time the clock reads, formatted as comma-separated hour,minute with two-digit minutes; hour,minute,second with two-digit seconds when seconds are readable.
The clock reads 9,10,14
